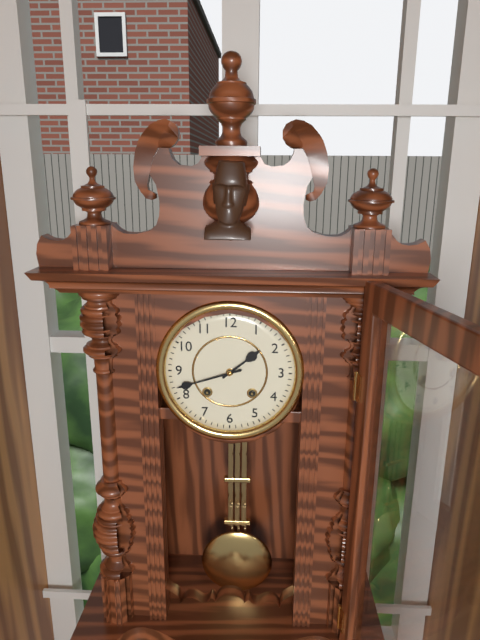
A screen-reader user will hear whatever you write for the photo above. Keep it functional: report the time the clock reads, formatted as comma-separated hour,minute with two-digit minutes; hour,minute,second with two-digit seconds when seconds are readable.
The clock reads 1,42
